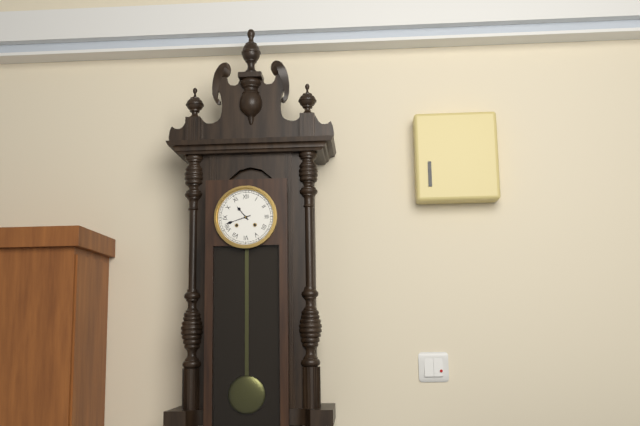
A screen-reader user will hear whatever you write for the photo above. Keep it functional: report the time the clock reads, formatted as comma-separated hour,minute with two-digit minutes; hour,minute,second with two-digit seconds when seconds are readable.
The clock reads 10,42
